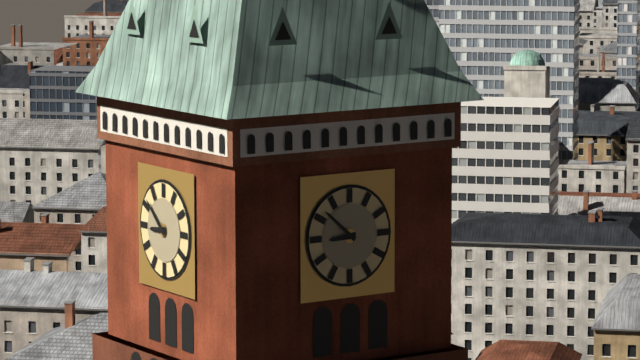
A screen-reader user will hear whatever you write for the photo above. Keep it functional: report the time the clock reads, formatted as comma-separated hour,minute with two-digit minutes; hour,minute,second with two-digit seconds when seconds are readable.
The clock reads 8,52
